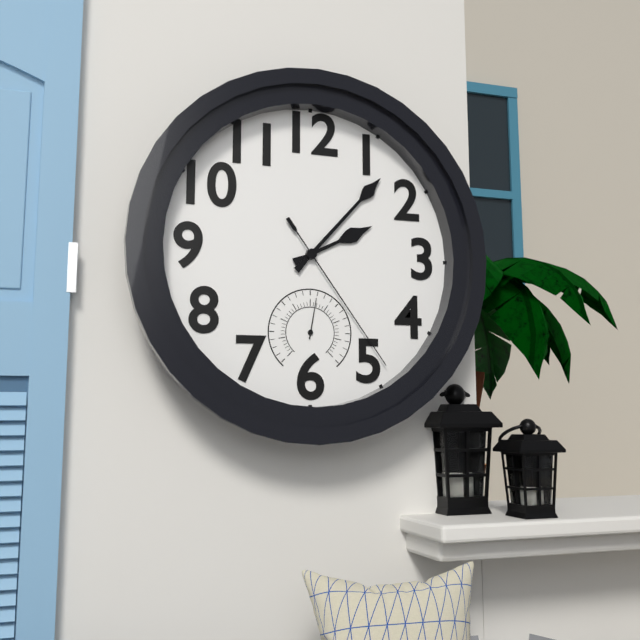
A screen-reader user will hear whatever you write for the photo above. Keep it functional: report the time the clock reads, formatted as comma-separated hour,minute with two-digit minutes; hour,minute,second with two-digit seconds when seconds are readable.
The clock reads 2,07,24
